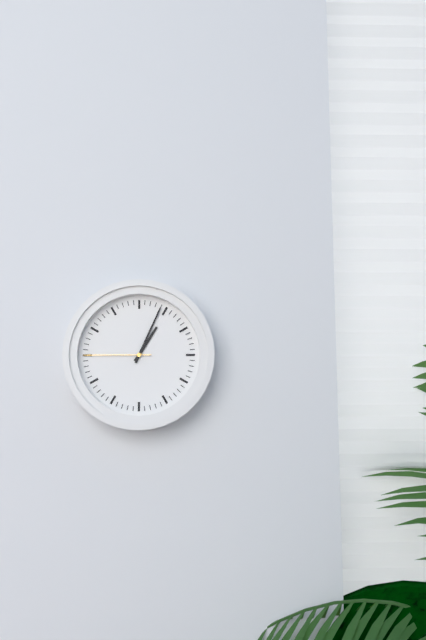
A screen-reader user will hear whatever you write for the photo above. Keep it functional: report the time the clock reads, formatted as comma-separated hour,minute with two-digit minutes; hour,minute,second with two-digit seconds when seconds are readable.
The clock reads 1,04,45
